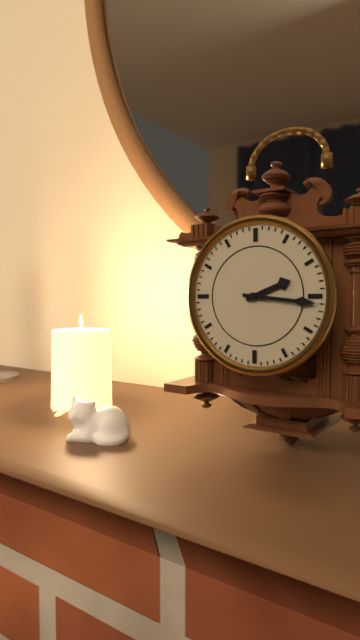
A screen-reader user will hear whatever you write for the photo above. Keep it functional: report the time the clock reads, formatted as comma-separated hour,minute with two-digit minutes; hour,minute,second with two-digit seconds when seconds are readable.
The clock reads 2,16
